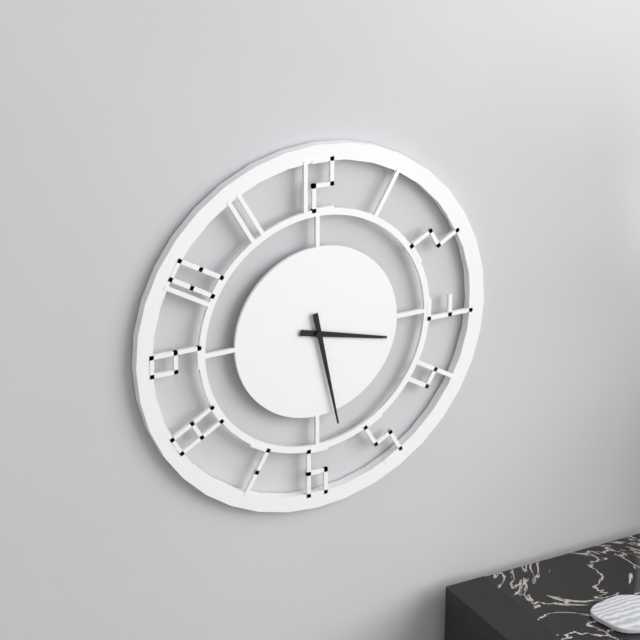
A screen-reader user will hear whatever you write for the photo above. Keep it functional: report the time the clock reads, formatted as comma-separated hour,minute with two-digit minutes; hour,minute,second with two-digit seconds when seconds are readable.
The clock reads 3,28
